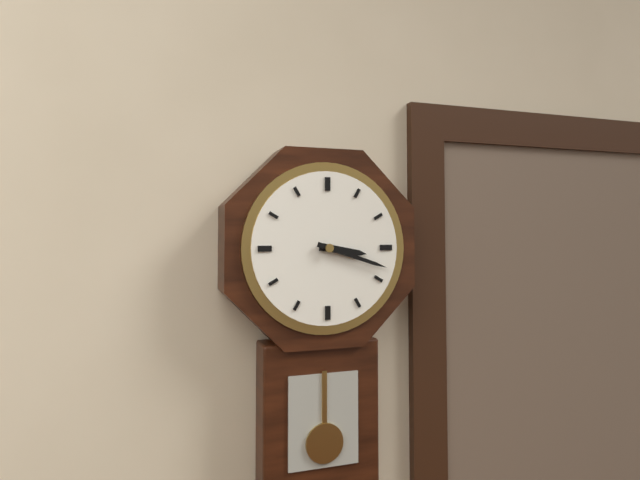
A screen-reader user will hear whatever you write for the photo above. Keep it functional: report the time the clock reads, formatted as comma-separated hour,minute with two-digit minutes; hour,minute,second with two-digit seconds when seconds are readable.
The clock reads 3,18
